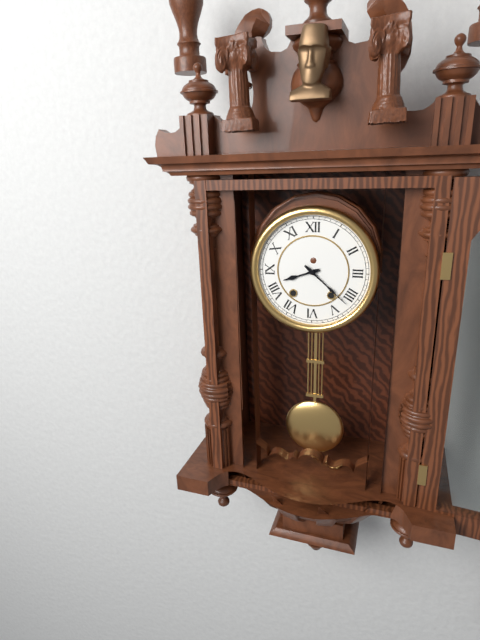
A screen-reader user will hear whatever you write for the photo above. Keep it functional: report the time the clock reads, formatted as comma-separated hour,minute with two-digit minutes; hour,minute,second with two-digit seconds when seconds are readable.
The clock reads 8,22
